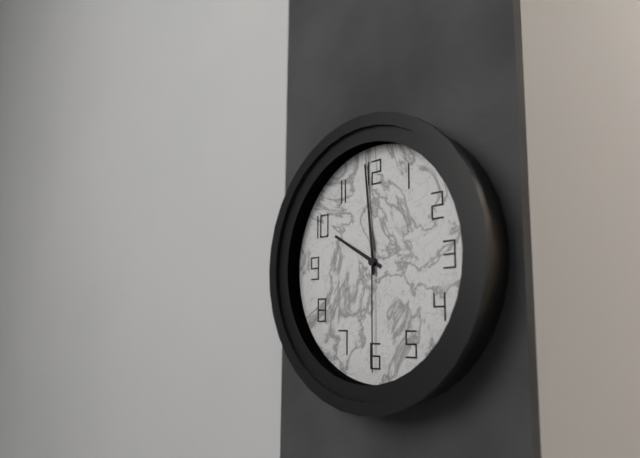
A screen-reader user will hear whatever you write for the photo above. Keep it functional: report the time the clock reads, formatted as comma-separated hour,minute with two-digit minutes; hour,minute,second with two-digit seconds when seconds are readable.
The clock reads 9,59,30
